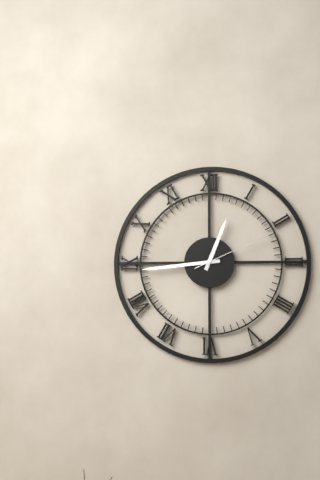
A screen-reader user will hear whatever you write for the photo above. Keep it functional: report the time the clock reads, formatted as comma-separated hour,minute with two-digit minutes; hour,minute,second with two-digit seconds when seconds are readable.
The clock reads 12,44,11
